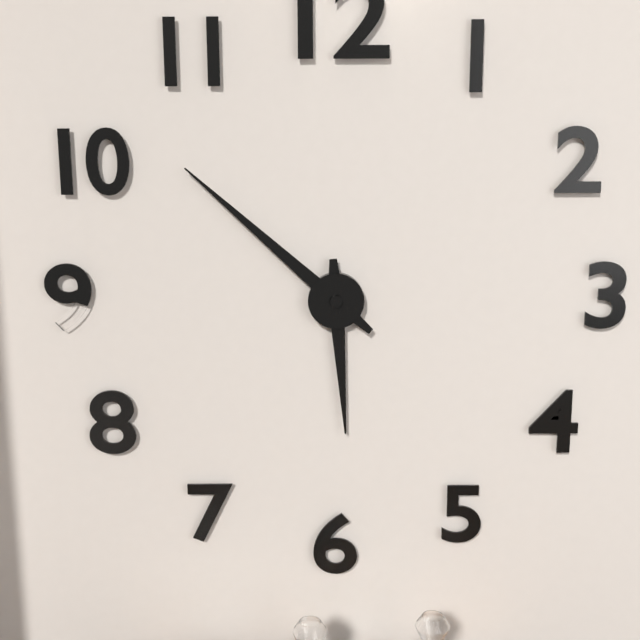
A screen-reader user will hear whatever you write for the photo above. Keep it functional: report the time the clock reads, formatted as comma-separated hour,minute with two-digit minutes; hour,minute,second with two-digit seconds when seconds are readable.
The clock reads 5,52
